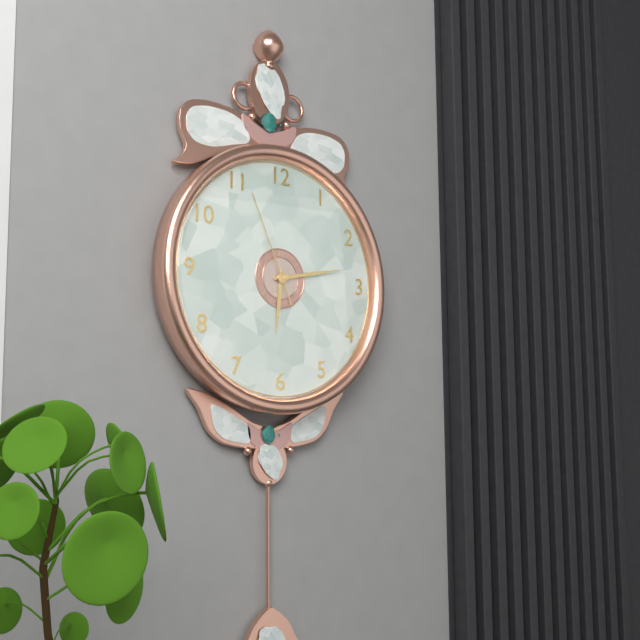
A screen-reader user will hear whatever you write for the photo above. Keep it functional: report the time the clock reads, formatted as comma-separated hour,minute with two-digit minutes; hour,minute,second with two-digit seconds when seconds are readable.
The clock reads 6,13,56
